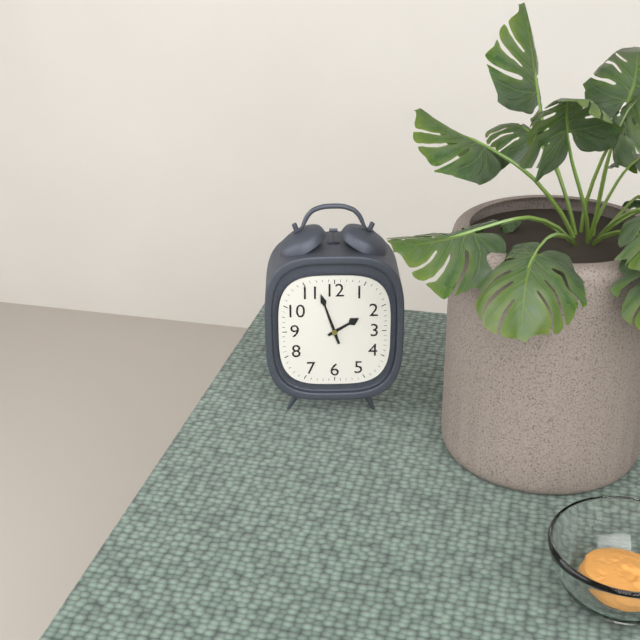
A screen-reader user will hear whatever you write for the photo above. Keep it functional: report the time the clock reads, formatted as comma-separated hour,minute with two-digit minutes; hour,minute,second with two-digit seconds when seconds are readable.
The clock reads 1,57
